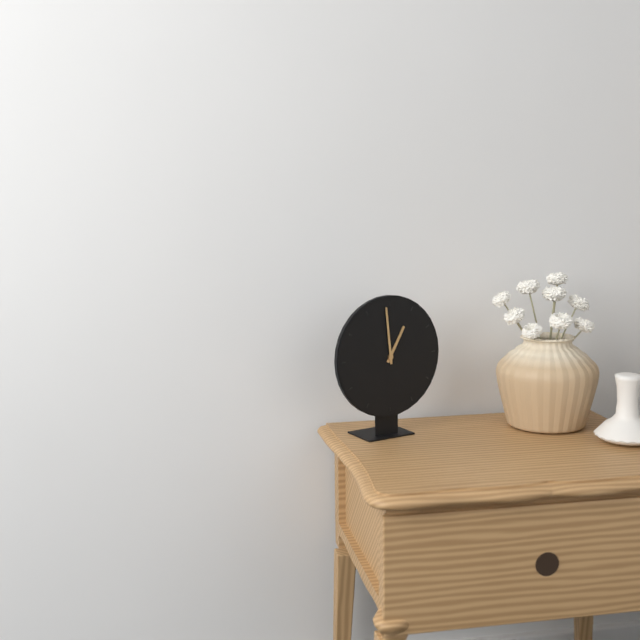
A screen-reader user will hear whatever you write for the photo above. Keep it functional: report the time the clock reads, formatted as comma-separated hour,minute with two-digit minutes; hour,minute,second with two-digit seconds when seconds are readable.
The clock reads 12,59
